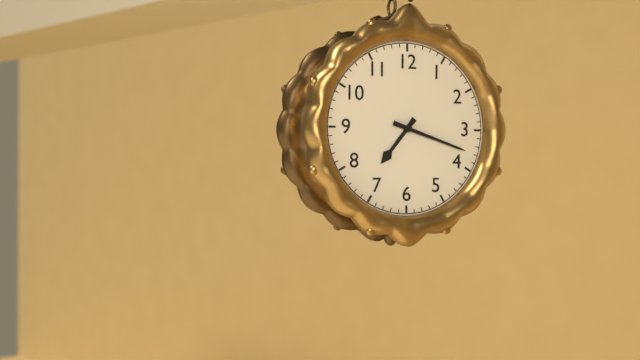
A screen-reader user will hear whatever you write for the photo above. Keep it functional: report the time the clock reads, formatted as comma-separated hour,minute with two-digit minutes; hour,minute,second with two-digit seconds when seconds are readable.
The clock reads 7,18
